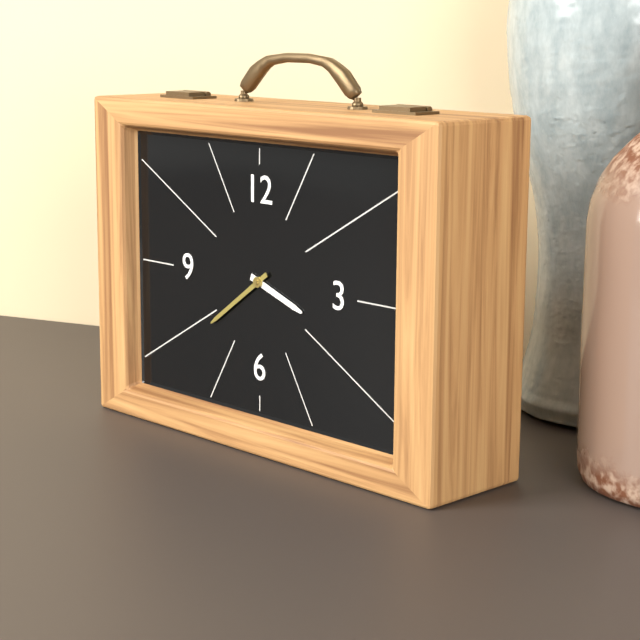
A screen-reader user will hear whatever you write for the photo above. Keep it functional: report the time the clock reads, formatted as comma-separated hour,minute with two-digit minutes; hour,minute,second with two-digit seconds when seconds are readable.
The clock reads 3,39
